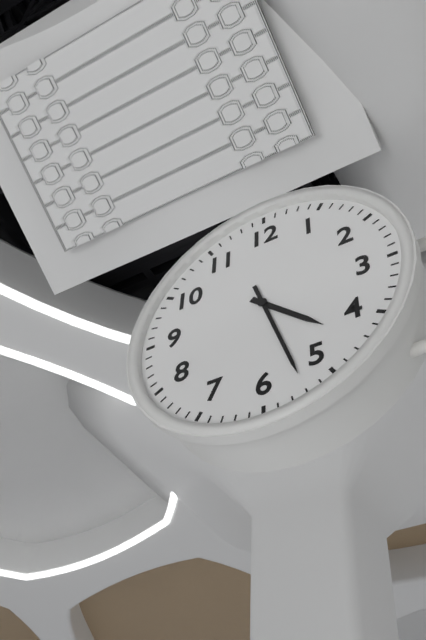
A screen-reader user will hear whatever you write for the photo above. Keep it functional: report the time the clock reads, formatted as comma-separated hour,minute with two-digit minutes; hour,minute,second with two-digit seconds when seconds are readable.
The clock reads 4,27
